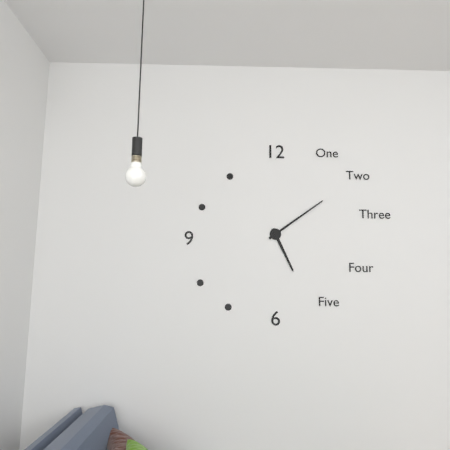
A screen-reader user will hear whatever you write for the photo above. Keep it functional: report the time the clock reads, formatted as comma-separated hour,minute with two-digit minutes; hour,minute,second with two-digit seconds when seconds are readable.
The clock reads 5,09
